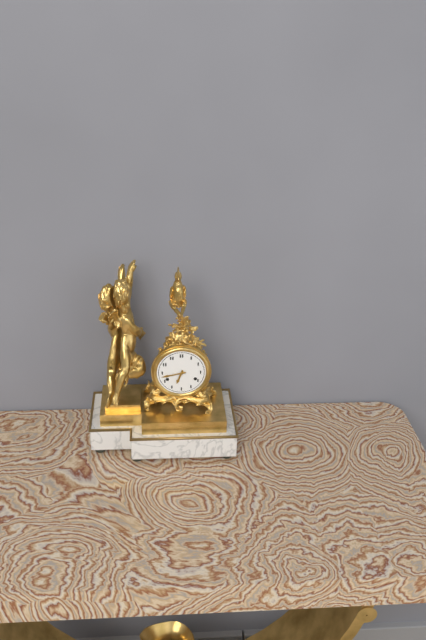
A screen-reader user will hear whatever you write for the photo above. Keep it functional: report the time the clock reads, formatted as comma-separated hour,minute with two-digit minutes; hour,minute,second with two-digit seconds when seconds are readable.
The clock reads 6,43
